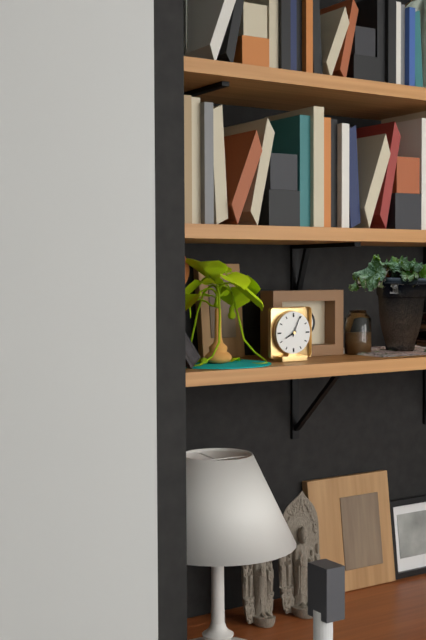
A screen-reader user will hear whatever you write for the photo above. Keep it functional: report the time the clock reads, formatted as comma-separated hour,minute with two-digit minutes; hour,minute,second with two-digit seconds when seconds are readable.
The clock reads 8,04
